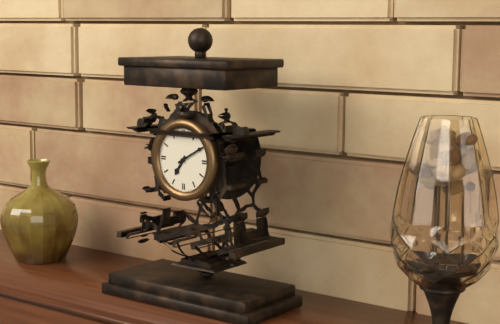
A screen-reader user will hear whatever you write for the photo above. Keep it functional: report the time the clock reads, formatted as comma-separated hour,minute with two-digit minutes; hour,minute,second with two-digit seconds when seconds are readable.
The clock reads 7,10
